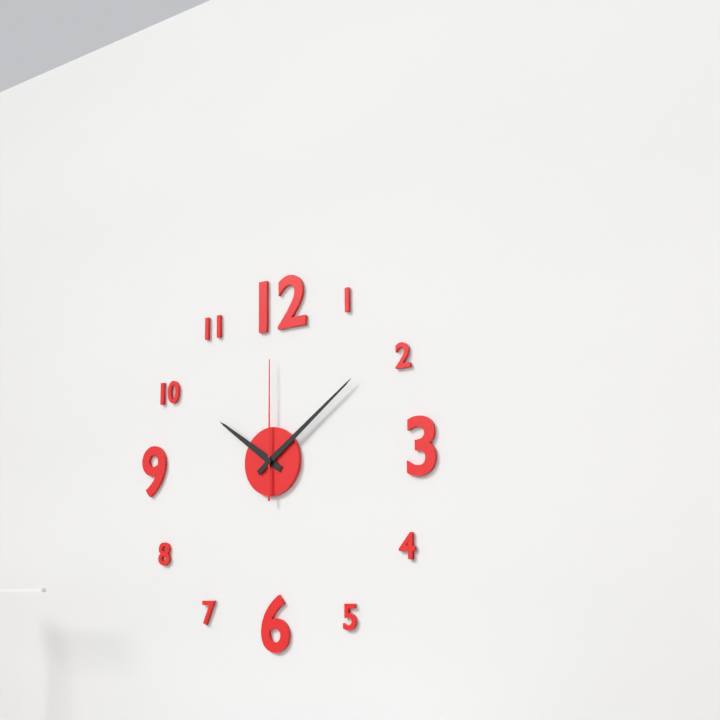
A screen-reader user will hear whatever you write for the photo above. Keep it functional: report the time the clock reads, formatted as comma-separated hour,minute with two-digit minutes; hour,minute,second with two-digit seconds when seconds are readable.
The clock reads 10,09,00
